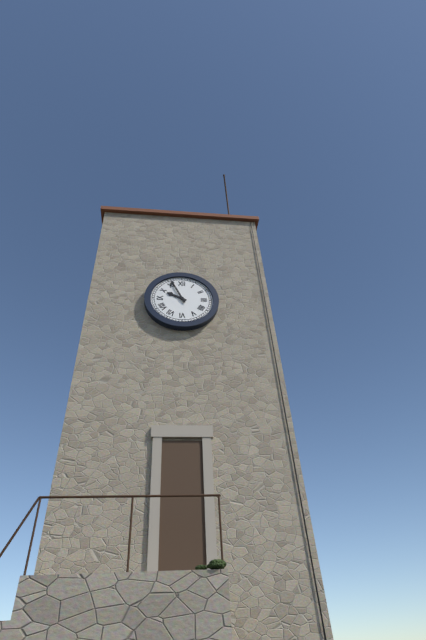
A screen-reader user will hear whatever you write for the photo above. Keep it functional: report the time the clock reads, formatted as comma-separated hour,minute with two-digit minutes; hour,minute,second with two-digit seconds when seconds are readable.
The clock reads 9,56
